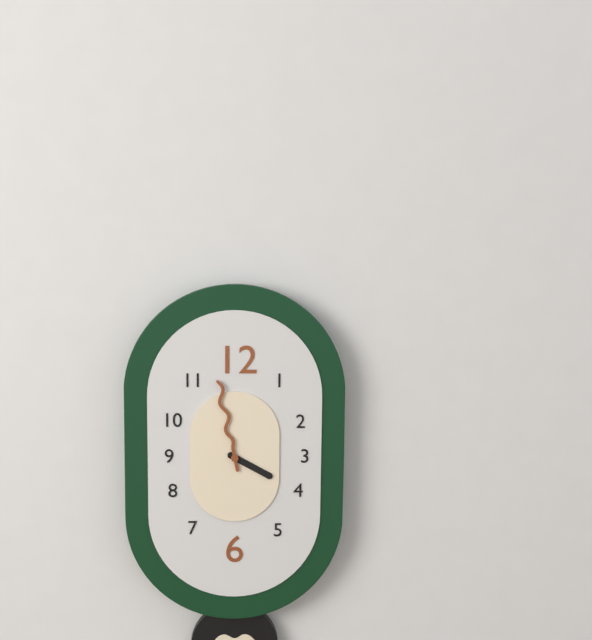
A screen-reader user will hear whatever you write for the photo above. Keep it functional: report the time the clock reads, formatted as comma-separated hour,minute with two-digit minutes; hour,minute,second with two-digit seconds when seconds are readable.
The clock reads 3,58
